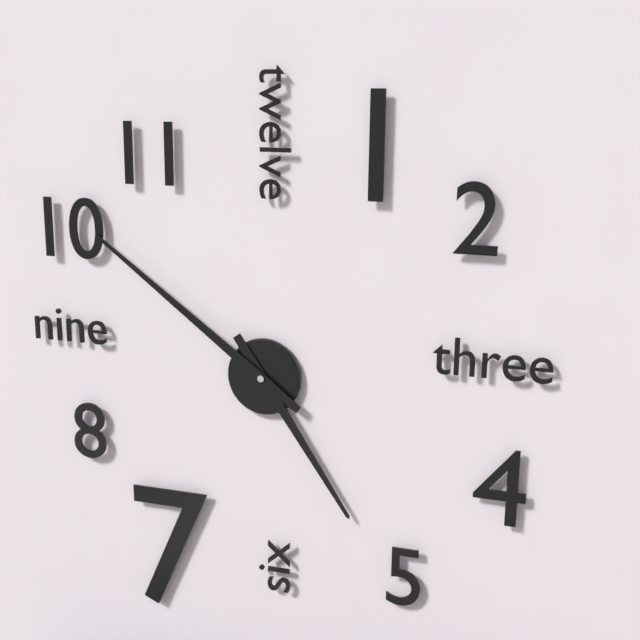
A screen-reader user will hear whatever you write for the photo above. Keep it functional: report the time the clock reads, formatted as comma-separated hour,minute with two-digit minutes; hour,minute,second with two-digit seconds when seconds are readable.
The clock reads 4,51
